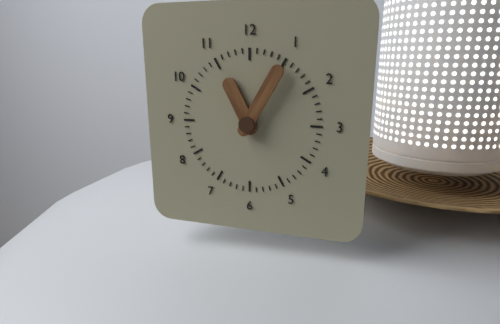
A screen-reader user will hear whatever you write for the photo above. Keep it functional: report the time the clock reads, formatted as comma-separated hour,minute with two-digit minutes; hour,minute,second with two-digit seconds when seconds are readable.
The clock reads 11,05
